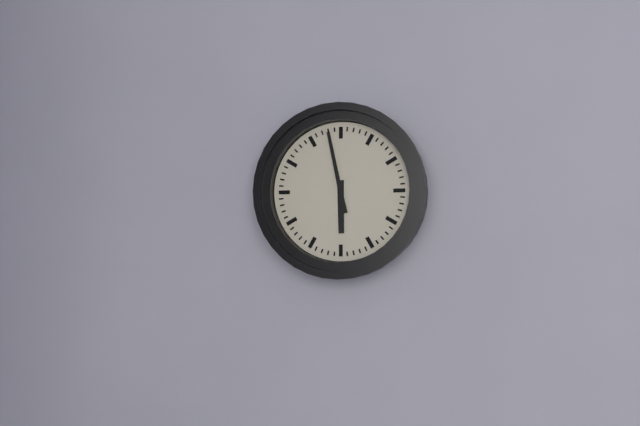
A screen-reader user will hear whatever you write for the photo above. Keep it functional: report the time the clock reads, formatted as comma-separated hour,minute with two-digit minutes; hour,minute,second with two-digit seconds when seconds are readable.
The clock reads 5,58
